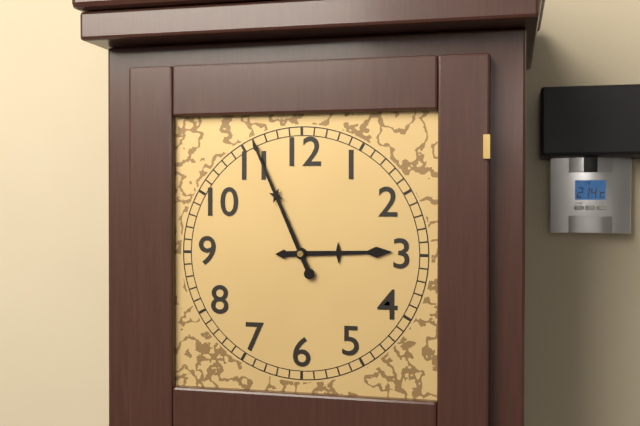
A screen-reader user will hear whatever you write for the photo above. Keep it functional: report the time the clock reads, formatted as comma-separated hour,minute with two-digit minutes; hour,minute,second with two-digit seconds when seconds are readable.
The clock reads 2,56
